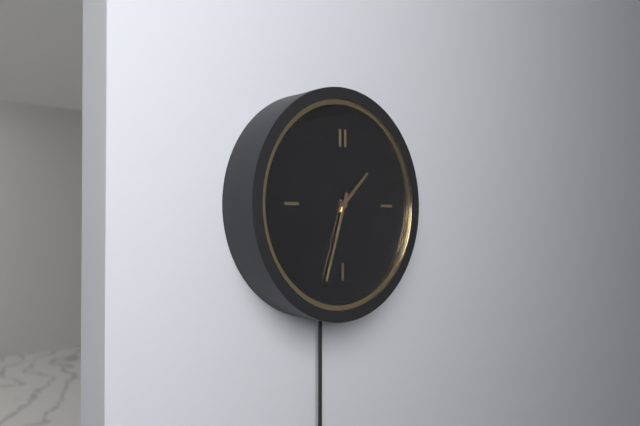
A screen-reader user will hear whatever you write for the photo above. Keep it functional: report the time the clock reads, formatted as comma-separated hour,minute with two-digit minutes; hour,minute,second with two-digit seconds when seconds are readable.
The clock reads 1,33
